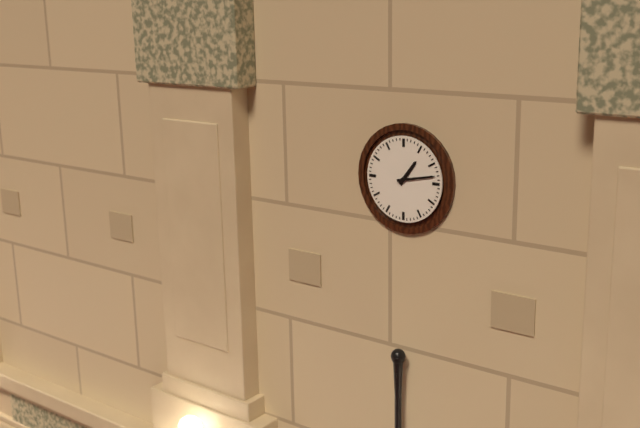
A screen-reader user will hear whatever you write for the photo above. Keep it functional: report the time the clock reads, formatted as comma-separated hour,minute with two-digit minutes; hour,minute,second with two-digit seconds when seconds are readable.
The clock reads 1,13
